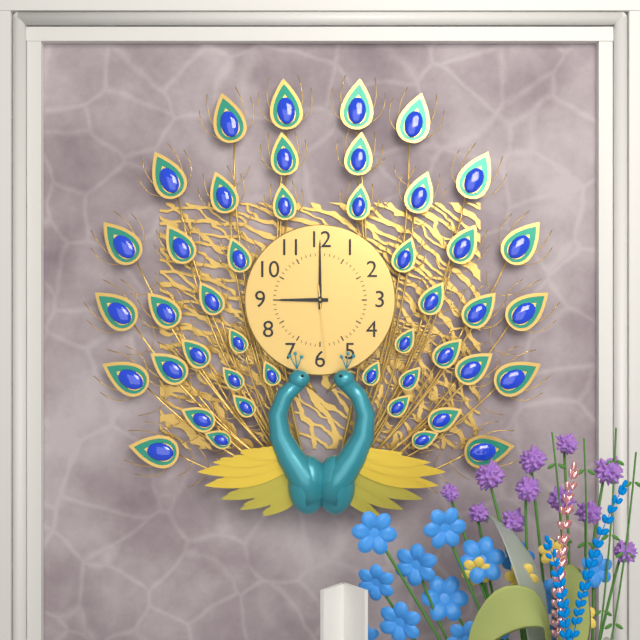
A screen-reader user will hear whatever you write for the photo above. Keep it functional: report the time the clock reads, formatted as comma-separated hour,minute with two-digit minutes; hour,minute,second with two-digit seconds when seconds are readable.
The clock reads 9,00,29
